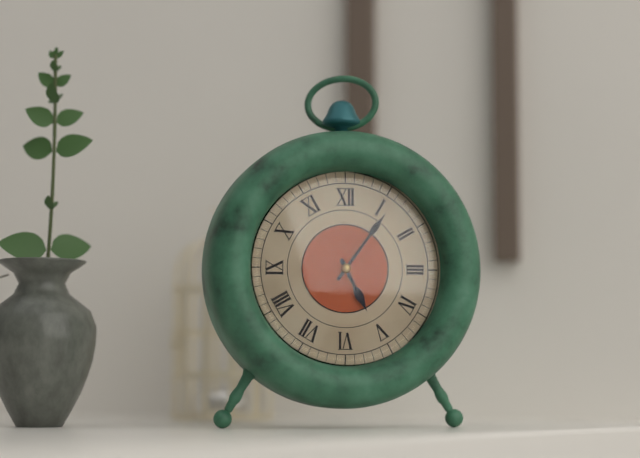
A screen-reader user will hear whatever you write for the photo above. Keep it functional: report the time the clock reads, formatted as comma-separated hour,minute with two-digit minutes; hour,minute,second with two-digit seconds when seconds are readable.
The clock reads 5,06
